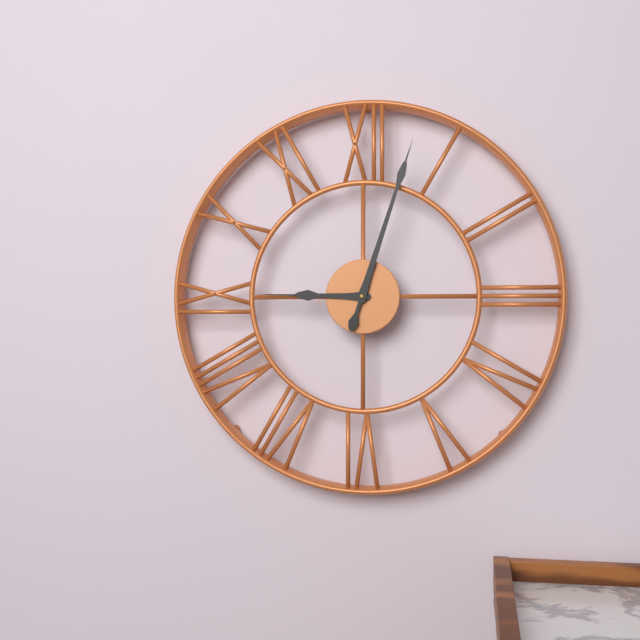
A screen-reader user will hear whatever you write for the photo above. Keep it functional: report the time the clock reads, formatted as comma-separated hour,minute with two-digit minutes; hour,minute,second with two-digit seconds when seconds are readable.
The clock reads 9,03
